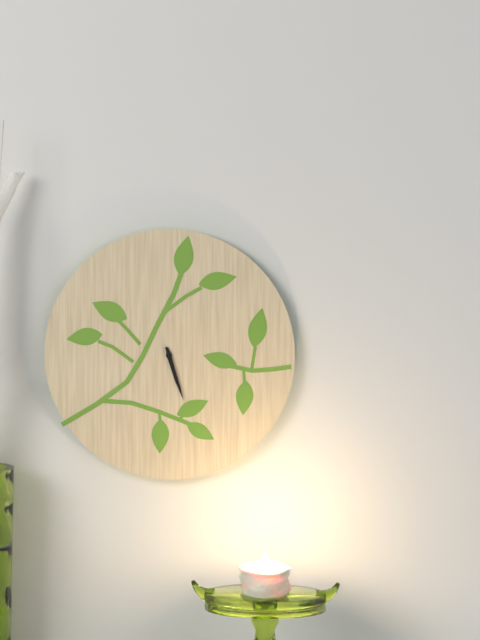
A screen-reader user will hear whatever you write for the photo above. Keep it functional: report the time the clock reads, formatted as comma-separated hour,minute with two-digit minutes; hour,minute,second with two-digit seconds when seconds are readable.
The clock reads 5,27
